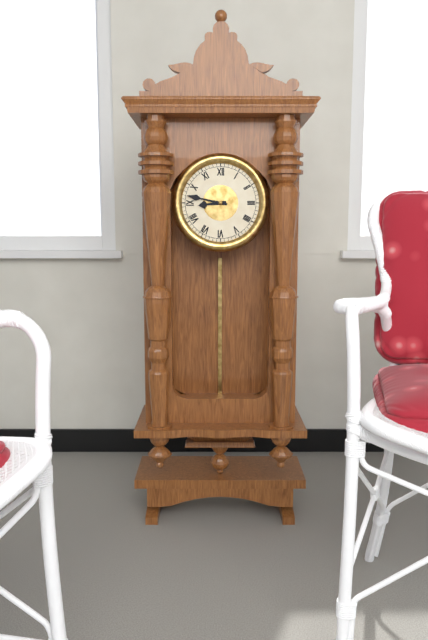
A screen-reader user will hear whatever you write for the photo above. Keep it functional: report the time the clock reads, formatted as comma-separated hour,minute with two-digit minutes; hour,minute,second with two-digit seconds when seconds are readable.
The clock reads 8,47
